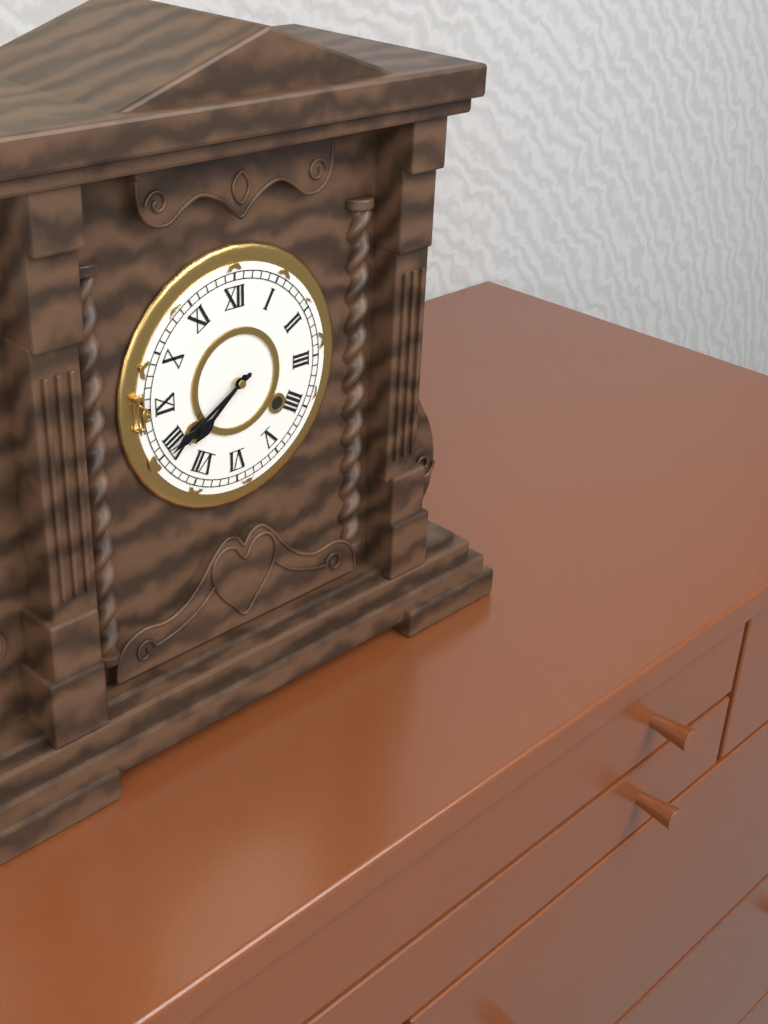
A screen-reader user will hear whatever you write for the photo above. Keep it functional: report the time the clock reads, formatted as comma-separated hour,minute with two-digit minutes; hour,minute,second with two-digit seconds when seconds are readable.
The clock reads 7,40
